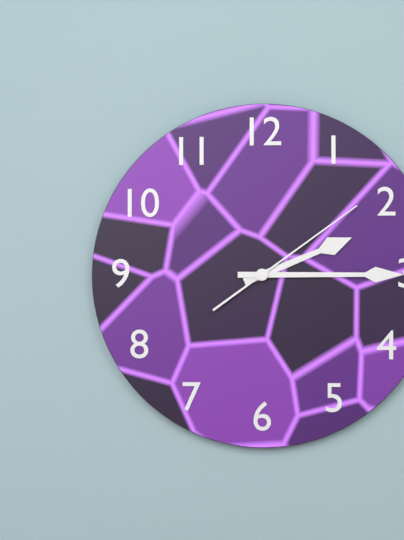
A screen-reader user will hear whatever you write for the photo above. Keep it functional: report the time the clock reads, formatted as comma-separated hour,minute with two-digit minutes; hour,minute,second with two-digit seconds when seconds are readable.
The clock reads 2,15,09
